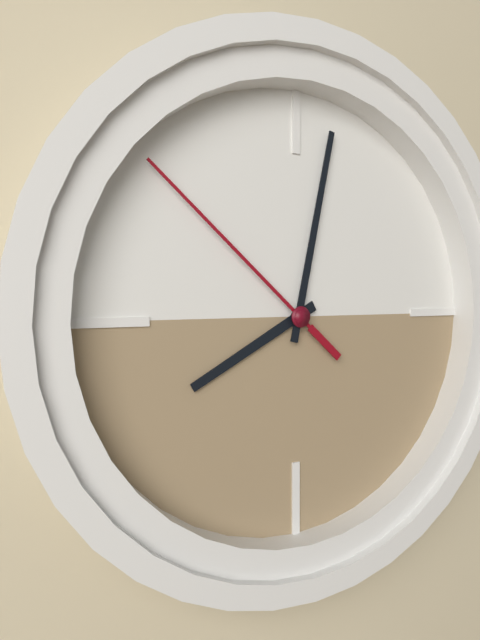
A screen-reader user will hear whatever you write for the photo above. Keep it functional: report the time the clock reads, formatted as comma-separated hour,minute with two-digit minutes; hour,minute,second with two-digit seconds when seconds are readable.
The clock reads 8,02,52
